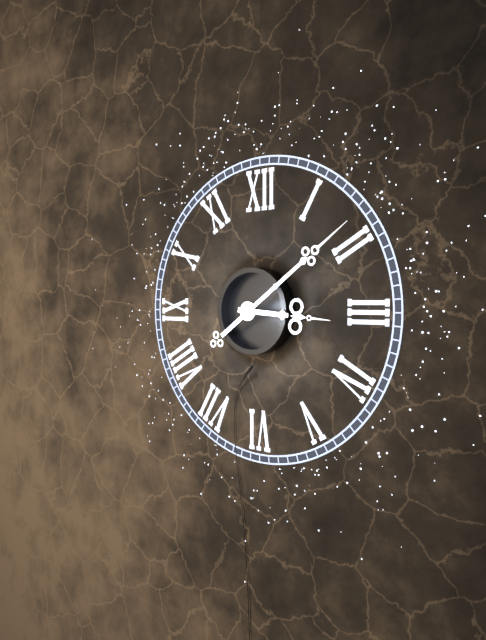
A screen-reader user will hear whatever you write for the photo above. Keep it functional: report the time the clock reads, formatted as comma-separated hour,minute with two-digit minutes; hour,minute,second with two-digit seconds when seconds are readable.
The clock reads 3,09
